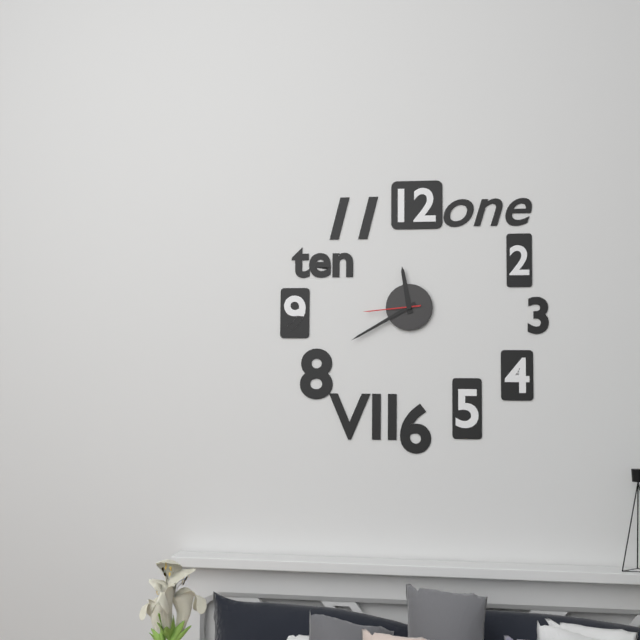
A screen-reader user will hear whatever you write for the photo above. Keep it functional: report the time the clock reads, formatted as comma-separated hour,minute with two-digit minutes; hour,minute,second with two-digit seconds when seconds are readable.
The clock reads 11,40,44
